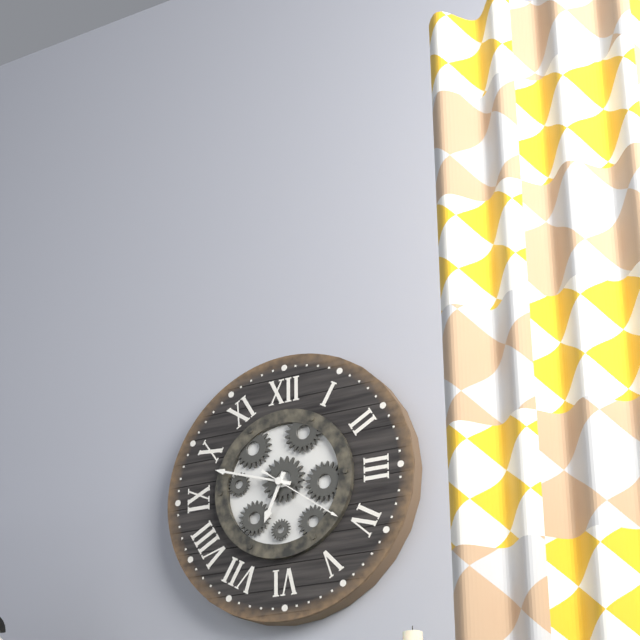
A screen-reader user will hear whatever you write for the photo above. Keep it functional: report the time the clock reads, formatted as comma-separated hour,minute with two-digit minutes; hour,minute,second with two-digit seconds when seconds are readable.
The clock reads 6,48,21
